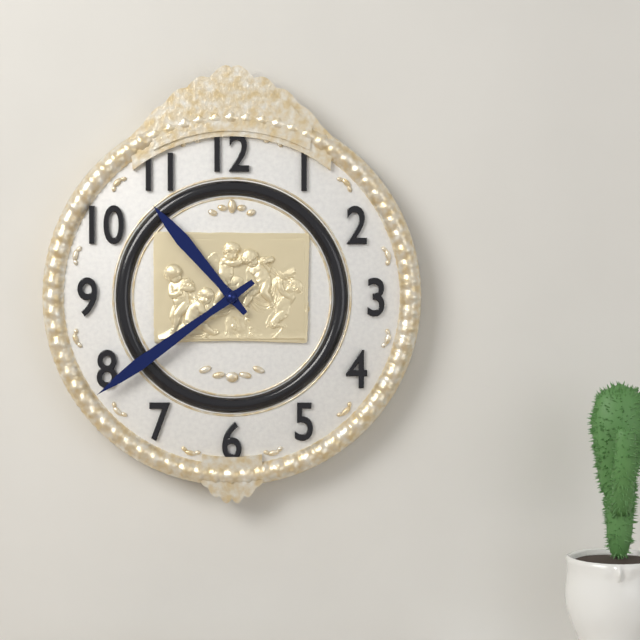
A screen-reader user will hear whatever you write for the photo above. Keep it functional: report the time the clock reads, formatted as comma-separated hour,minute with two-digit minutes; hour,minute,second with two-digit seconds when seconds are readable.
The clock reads 10,39
